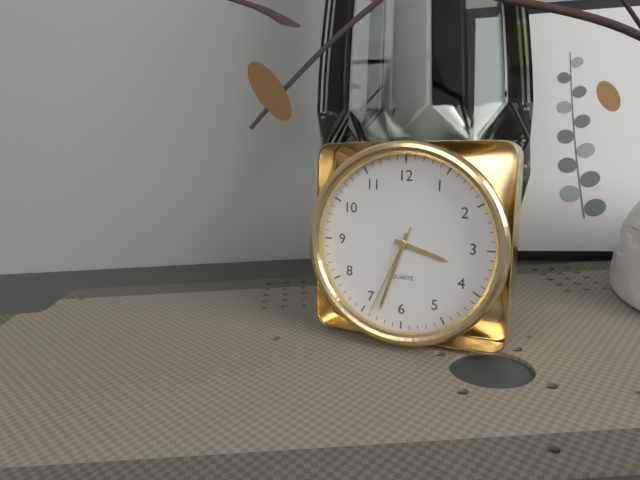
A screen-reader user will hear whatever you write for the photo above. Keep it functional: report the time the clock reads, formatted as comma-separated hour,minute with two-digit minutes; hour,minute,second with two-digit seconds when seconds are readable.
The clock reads 3,33,34
